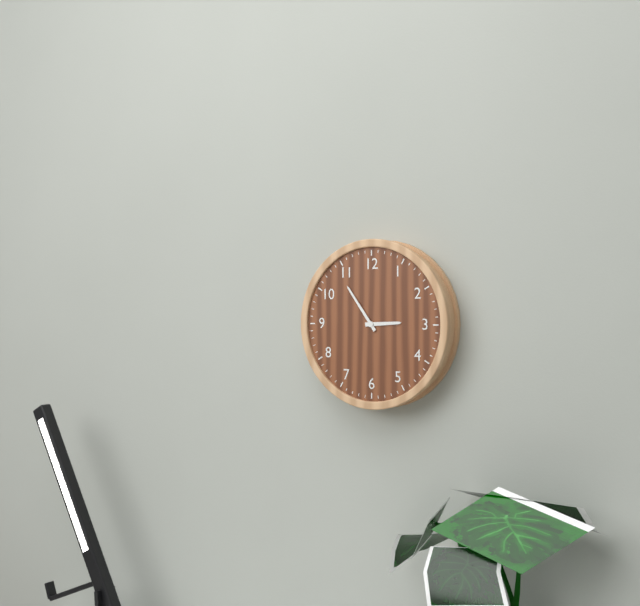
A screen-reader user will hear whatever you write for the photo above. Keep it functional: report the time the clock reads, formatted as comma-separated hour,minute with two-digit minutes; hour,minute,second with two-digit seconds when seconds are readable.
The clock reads 2,54
